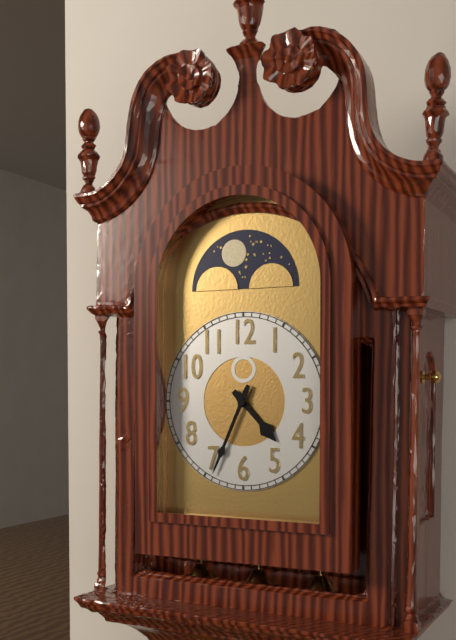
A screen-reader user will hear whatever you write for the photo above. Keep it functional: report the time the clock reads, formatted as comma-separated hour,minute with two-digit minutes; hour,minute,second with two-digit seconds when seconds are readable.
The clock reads 4,34
